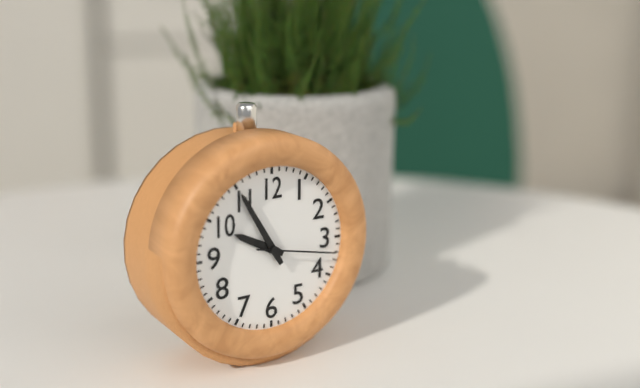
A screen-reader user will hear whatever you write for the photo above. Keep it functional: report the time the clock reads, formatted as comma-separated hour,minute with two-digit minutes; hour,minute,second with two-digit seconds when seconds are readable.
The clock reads 9,55,17
